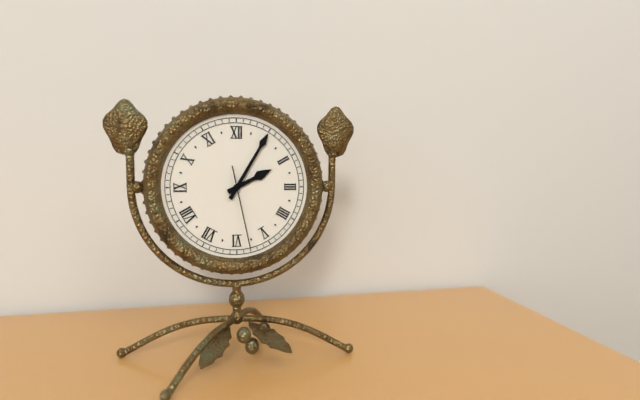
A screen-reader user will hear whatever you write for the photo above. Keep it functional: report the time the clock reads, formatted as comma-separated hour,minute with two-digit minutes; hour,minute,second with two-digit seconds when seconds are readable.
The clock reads 2,05,28
